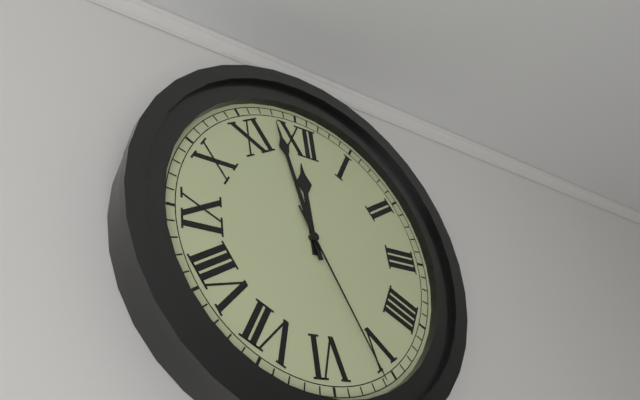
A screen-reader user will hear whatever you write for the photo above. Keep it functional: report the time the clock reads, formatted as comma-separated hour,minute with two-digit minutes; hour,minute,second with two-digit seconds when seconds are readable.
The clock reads 11,58,26
